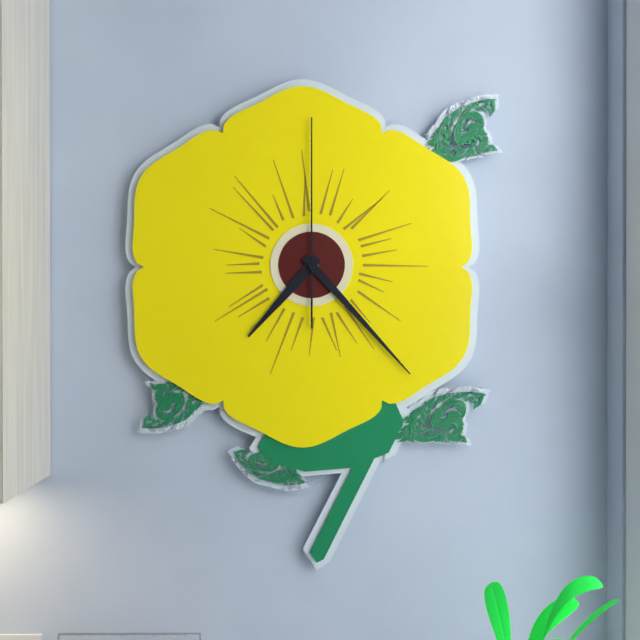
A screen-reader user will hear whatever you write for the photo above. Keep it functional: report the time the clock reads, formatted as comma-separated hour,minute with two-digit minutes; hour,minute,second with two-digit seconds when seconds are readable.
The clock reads 7,23,00
